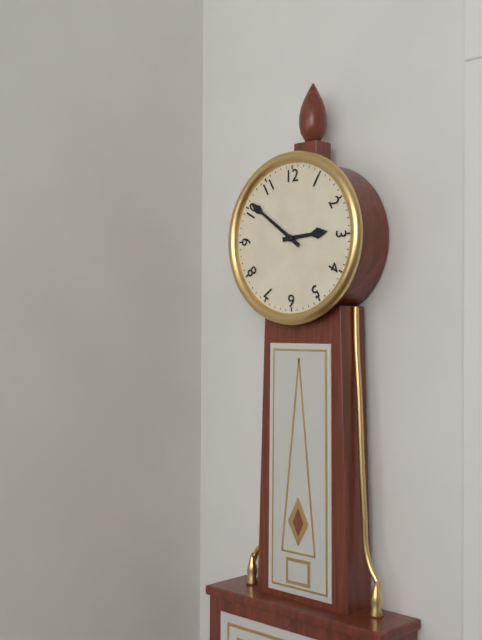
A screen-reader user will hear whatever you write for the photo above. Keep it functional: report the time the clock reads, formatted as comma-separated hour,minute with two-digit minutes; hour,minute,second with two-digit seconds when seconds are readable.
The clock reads 2,51
